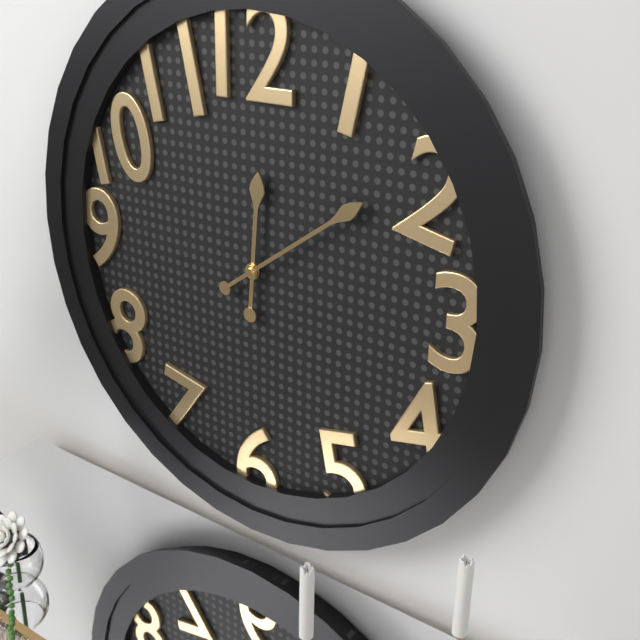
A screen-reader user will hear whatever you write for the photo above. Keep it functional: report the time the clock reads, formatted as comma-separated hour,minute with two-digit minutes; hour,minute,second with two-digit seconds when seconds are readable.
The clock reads 12,09
